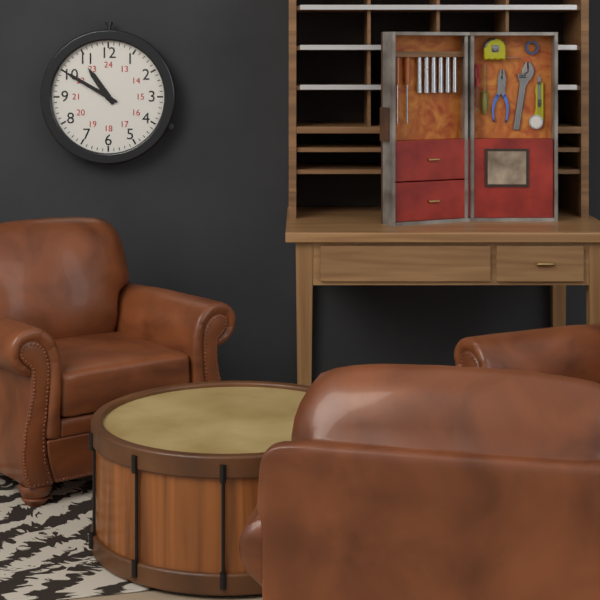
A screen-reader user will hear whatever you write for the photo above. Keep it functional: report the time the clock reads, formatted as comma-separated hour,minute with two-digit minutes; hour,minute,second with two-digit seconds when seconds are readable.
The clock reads 10,50
